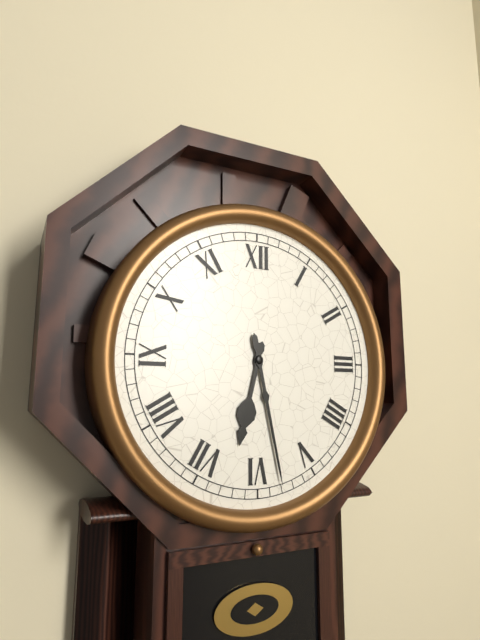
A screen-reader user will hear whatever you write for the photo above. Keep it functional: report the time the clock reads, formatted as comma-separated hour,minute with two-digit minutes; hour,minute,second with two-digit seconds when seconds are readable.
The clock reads 6,28
